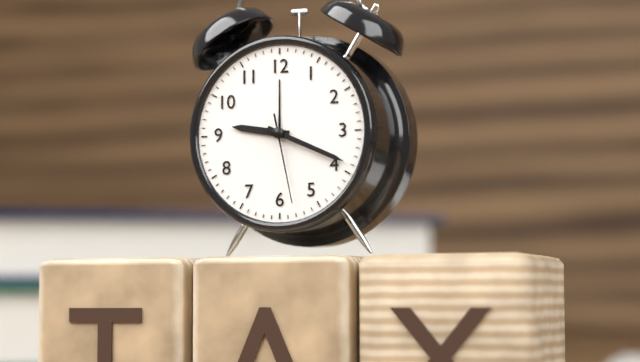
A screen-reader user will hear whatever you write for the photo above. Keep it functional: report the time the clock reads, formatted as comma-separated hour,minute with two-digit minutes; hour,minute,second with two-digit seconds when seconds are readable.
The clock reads 9,19,28
